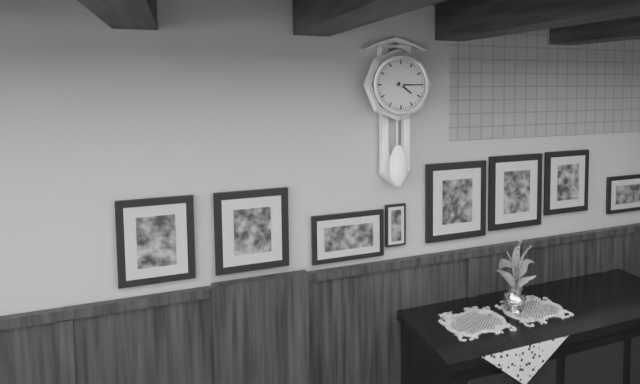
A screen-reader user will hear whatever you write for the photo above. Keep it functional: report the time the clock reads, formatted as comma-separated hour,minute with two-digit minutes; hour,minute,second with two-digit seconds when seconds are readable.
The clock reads 4,15
